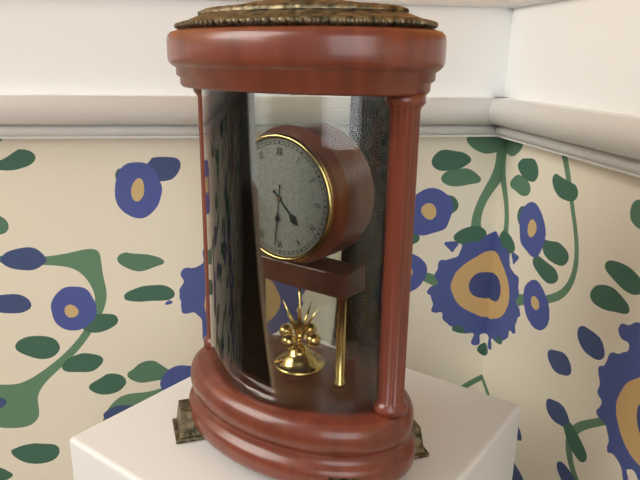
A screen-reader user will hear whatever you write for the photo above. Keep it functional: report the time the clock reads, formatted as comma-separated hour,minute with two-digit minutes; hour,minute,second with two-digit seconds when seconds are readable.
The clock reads 4,31
